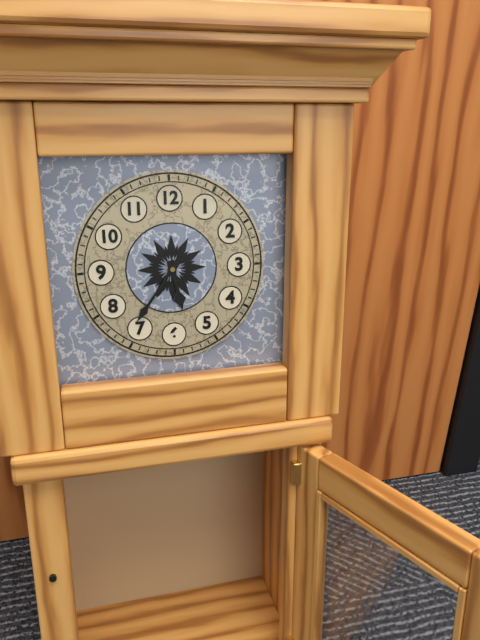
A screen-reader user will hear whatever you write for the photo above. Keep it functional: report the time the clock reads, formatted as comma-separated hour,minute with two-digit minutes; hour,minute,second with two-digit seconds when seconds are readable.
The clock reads 5,36
